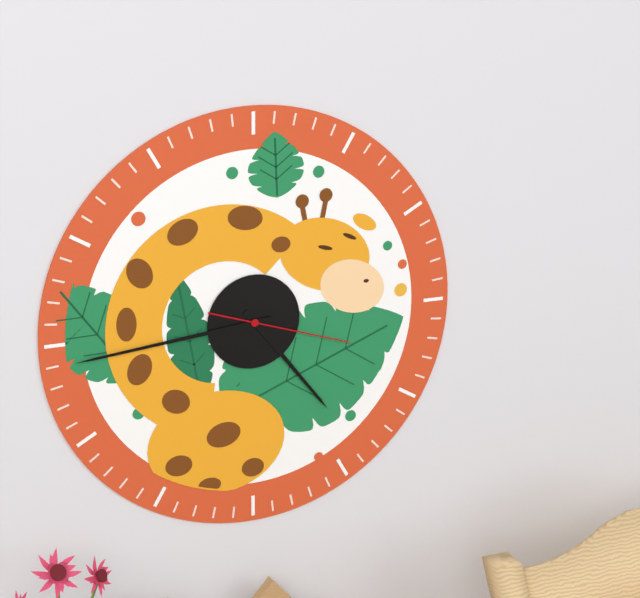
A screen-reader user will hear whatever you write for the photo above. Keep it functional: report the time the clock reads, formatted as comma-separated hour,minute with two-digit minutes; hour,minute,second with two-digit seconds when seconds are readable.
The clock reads 4,44,18
